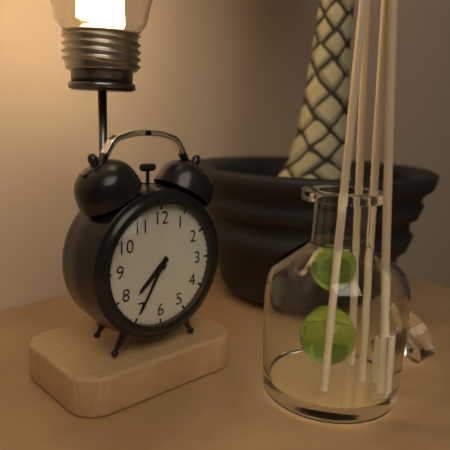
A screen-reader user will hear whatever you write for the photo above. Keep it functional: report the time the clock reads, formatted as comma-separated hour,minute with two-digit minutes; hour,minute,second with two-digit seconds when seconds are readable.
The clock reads 7,35
